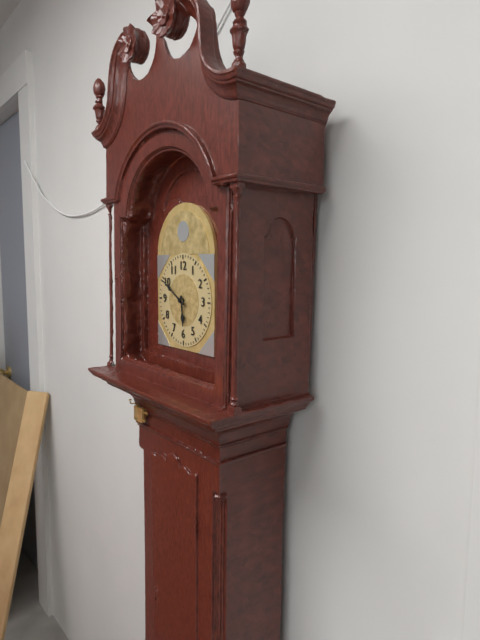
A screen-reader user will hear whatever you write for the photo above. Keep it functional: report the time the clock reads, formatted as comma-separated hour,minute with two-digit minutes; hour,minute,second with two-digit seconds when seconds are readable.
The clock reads 5,50
